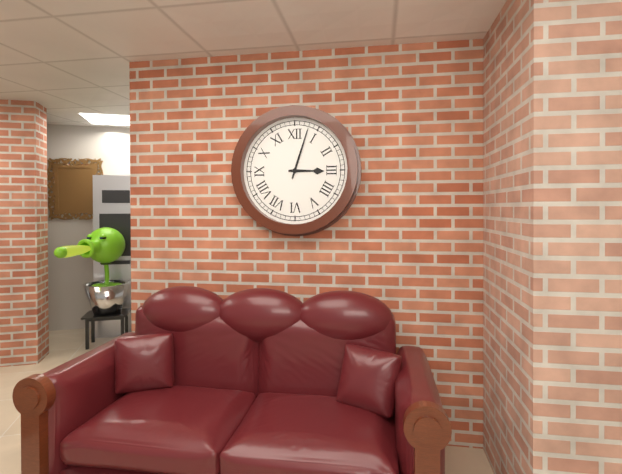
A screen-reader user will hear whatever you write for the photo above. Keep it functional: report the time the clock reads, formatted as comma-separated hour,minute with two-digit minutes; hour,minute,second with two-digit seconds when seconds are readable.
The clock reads 3,03
